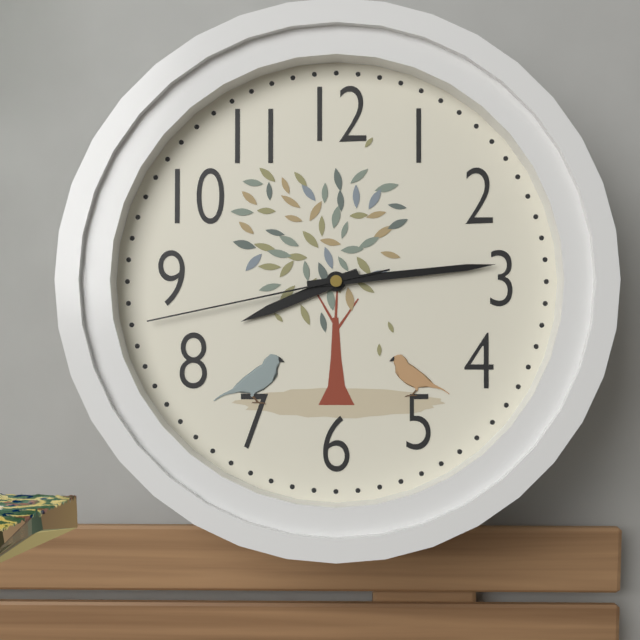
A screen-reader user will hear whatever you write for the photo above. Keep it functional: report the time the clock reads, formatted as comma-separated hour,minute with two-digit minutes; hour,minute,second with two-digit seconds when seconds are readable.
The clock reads 8,14,43
